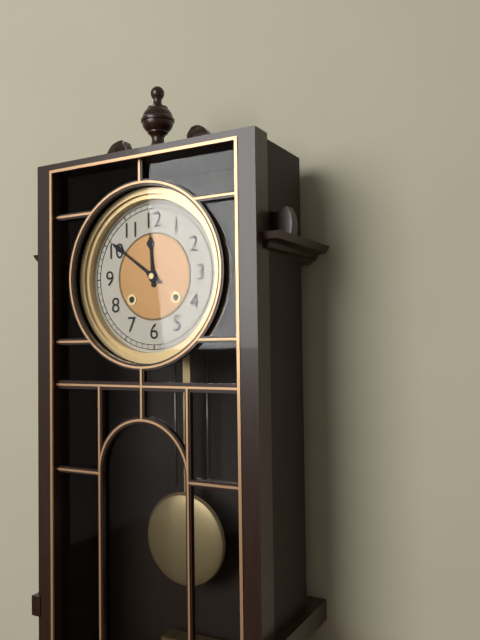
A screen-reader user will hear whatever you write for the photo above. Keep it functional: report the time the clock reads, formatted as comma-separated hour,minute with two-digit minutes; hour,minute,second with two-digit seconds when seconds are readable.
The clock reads 11,51
